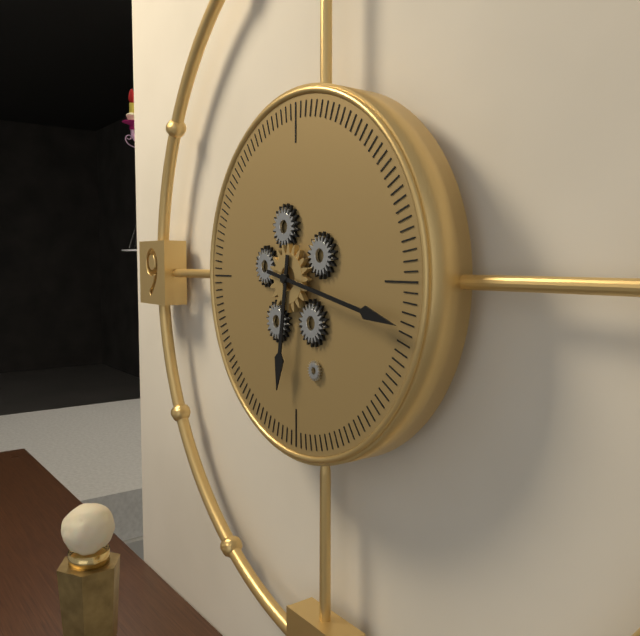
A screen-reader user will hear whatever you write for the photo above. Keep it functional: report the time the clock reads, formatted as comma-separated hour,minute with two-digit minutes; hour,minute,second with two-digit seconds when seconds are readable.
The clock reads 6,17
